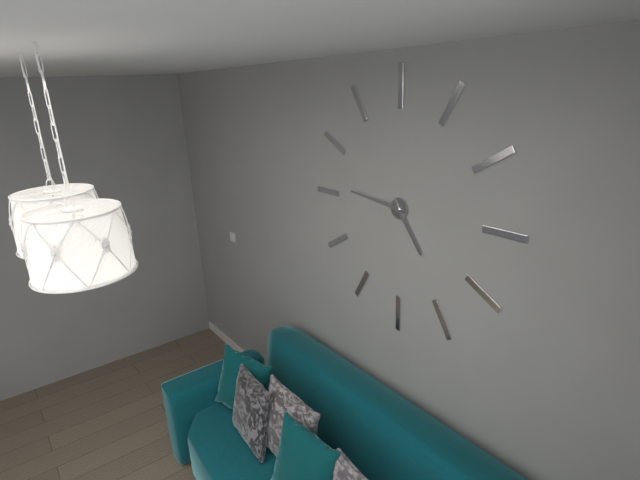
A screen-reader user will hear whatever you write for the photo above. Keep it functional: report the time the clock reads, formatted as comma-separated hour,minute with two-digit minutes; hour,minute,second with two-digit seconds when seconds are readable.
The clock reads 4,46
